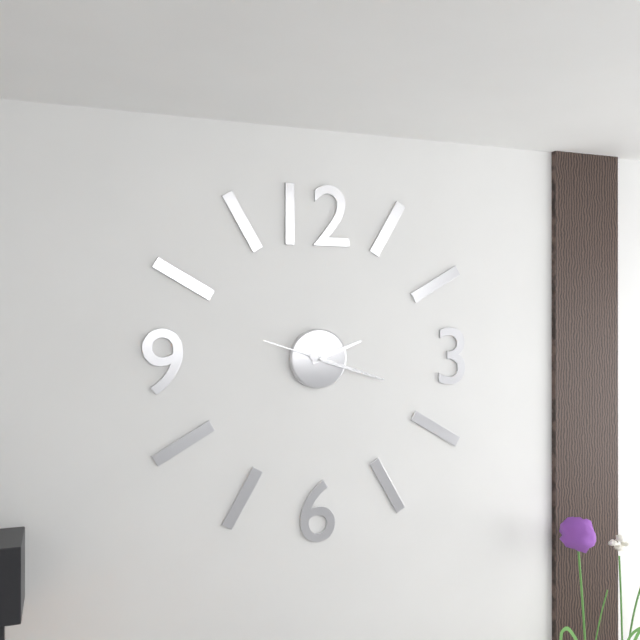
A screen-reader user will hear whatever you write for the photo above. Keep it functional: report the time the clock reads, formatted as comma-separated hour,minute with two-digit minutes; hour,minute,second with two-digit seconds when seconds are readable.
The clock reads 2,18,48
